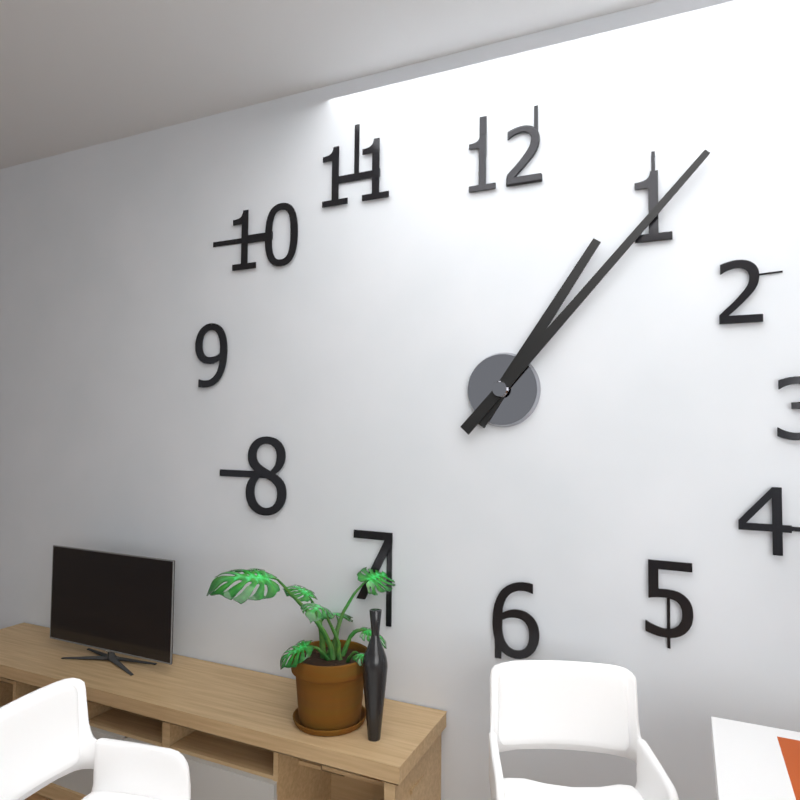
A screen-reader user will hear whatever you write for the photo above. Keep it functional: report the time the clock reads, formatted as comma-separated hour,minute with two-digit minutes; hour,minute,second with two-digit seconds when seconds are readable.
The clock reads 1,07
